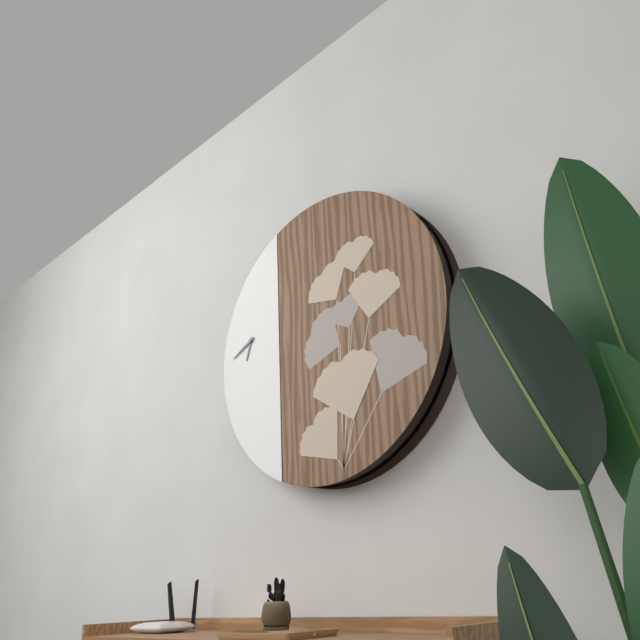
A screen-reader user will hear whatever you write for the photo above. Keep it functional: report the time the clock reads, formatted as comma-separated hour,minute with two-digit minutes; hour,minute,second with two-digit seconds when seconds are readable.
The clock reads 6,41
